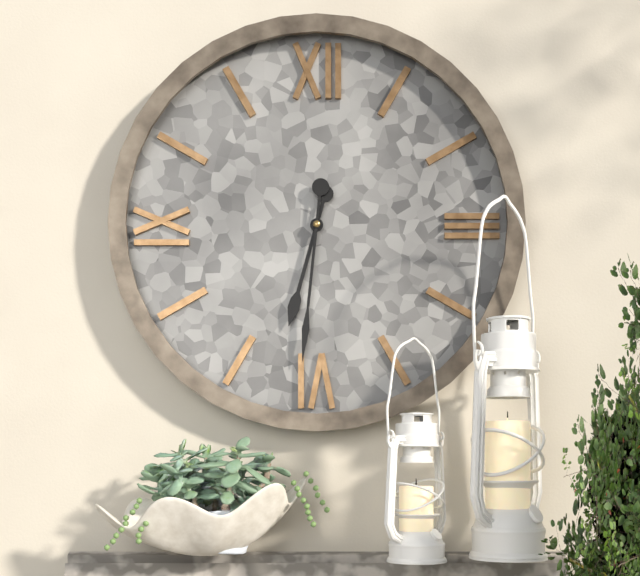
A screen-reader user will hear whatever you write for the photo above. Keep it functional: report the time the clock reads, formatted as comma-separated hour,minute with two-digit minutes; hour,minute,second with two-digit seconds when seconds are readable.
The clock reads 6,31
